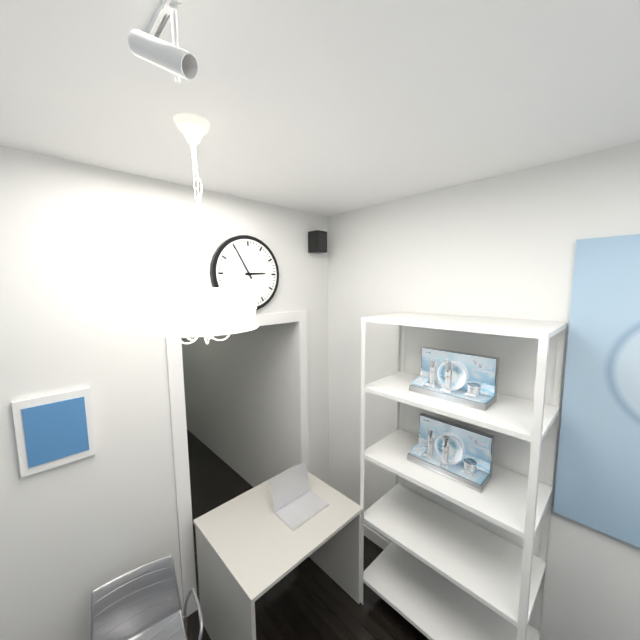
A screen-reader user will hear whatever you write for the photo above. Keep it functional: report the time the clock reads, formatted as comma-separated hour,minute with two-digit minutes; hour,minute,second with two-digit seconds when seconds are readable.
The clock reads 2,55
